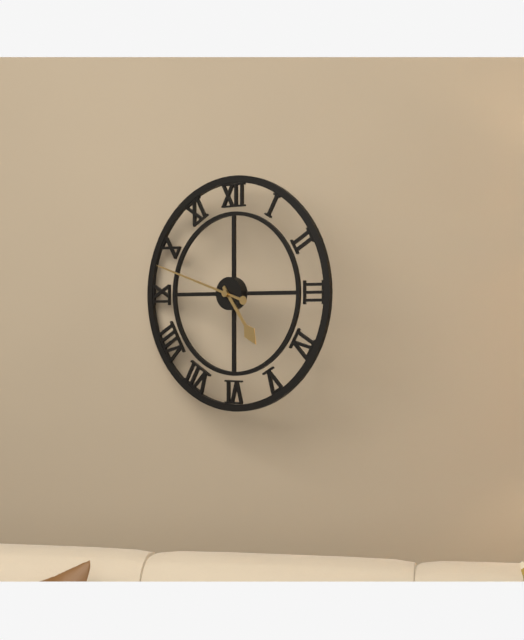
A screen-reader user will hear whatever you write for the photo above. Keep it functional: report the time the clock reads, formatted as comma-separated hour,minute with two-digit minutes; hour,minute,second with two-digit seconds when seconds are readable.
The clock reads 4,48
